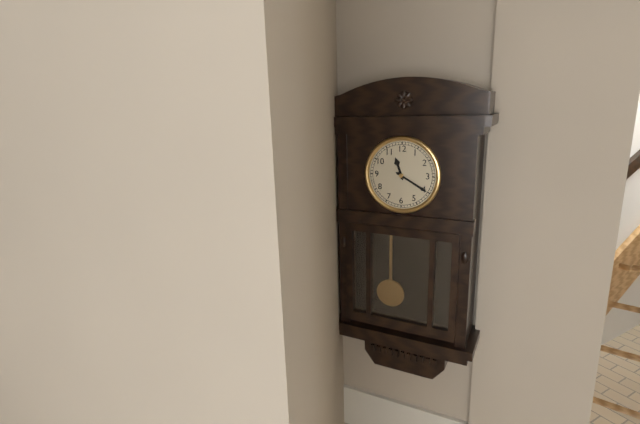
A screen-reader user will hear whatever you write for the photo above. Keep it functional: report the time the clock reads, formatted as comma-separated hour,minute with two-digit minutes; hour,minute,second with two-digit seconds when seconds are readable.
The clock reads 11,20
